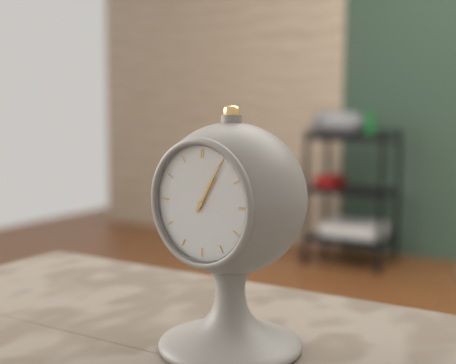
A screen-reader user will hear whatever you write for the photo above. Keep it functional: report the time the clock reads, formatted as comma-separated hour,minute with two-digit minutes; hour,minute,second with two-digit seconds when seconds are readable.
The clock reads 1,05
